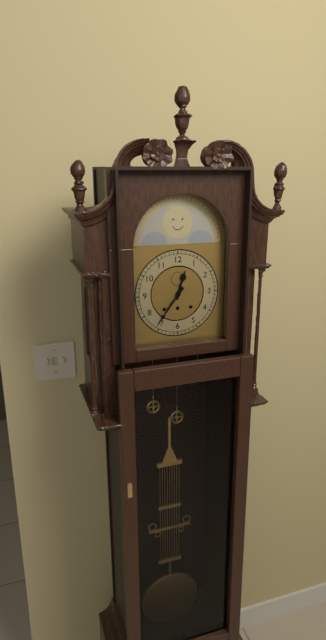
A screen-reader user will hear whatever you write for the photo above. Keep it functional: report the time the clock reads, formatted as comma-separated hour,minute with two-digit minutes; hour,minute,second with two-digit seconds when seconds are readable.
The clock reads 12,36
